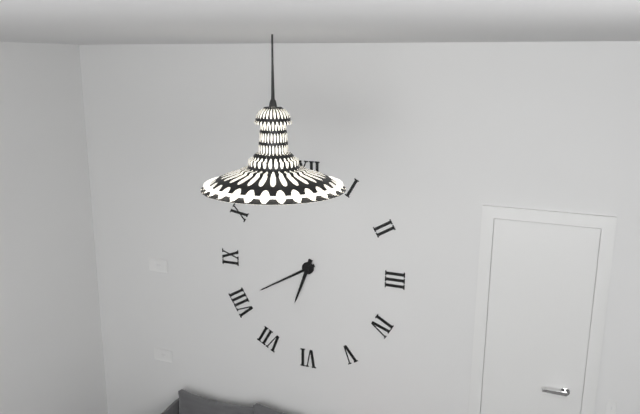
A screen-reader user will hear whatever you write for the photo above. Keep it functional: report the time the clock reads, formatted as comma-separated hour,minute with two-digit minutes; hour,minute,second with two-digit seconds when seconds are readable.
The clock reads 6,40
